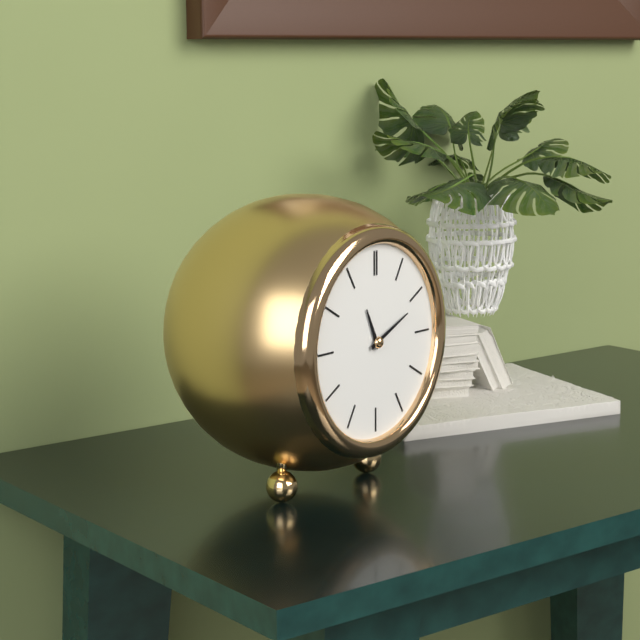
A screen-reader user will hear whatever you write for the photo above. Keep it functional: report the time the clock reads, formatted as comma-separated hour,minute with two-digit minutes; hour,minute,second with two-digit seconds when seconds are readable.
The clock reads 11,11
